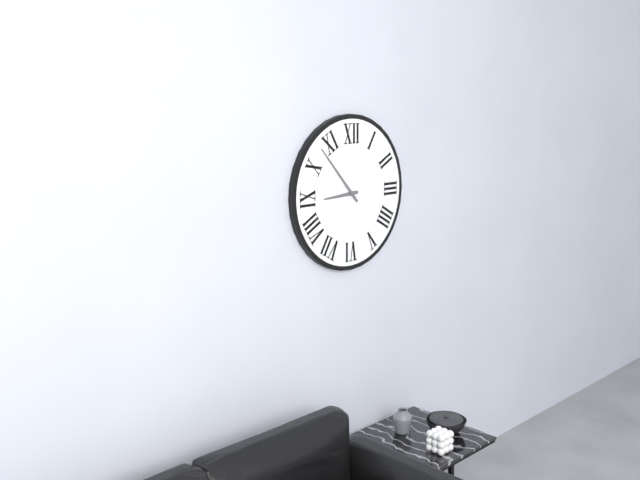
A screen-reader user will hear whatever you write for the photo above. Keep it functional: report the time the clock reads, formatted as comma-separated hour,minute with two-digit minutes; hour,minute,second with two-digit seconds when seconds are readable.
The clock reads 8,53
